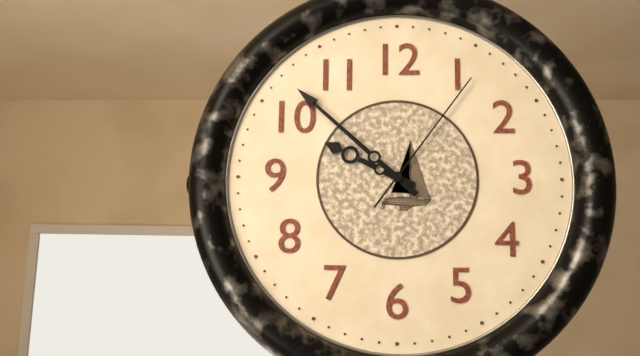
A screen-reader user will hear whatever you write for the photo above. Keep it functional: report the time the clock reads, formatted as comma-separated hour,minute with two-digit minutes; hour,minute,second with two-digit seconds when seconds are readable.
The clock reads 9,52,06
